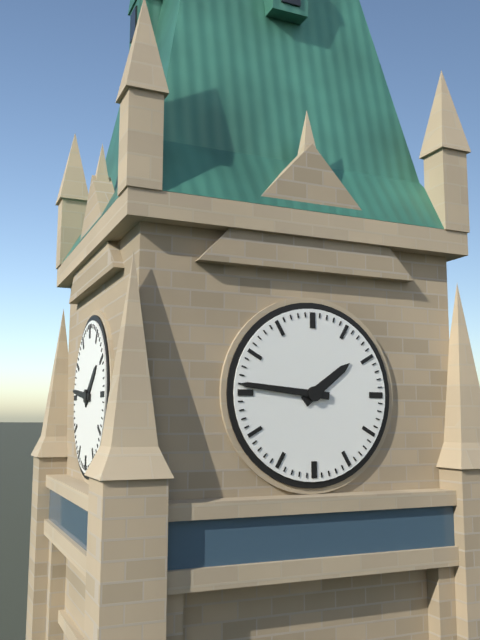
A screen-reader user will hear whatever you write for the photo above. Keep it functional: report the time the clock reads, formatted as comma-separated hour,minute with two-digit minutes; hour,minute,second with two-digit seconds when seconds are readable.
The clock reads 1,46
